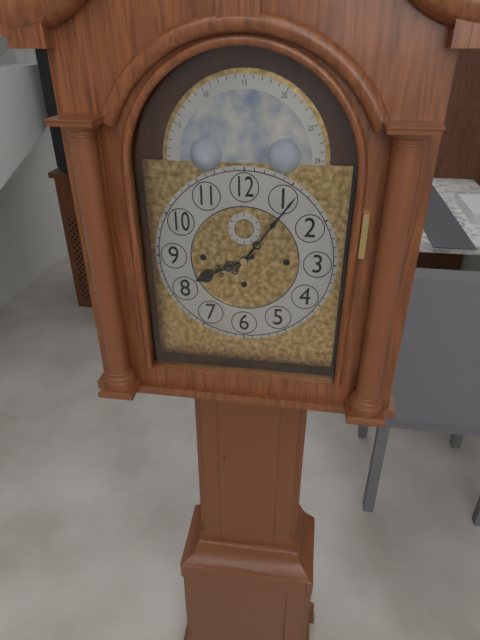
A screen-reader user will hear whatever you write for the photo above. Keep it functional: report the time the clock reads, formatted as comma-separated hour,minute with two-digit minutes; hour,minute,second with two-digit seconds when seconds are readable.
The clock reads 8,06
